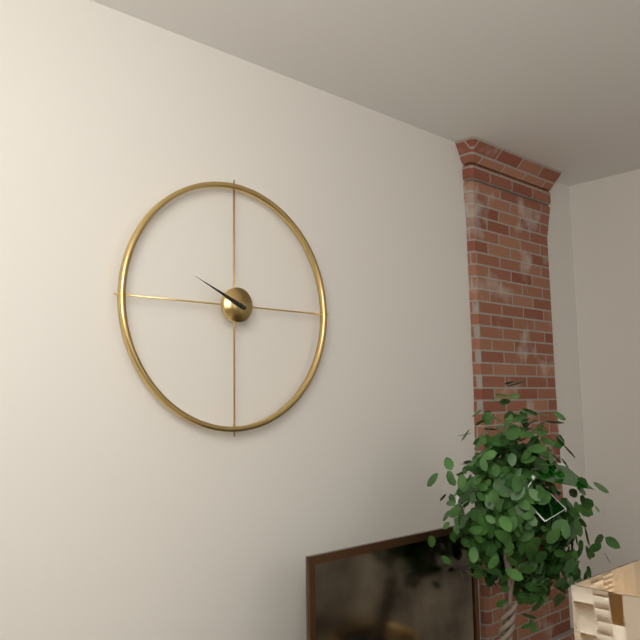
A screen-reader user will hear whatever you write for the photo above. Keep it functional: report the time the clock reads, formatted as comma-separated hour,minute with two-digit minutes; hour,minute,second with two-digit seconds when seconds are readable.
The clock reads 9,49
